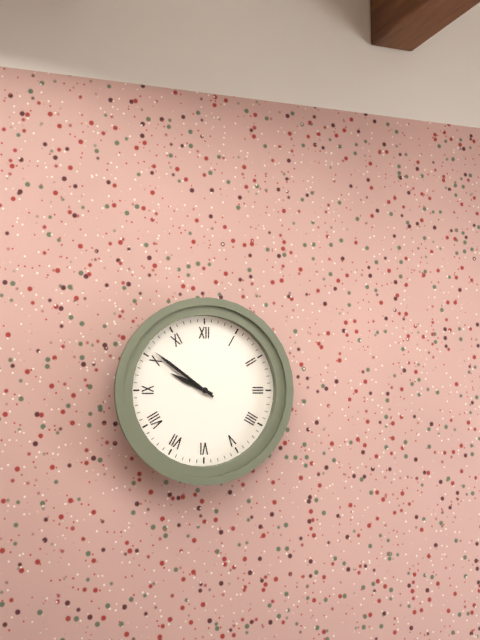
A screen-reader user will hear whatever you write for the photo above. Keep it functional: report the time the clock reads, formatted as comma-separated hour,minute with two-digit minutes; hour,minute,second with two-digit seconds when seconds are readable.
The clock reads 9,51
